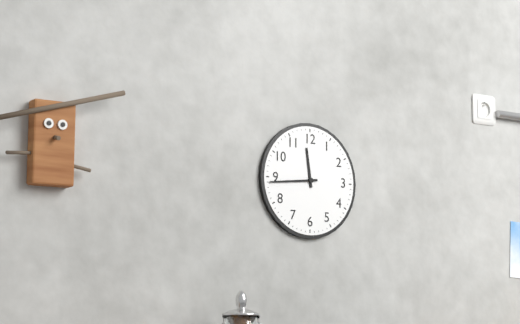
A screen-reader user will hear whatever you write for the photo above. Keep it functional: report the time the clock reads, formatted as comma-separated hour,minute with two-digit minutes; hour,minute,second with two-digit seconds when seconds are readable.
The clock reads 11,44
